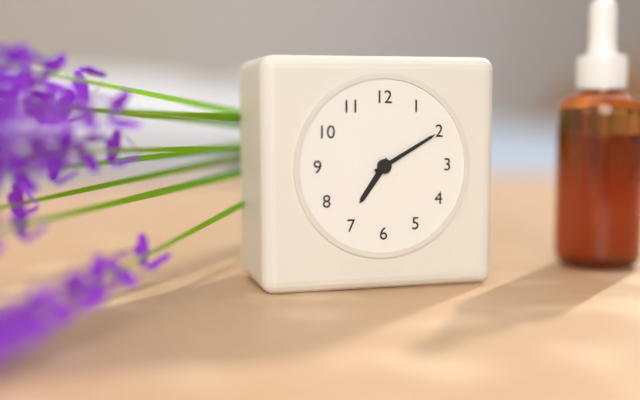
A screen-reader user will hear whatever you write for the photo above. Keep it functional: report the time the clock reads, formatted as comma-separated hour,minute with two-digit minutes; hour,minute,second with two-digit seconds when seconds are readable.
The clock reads 7,10
